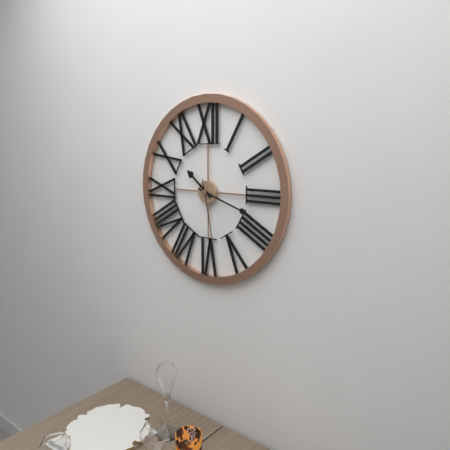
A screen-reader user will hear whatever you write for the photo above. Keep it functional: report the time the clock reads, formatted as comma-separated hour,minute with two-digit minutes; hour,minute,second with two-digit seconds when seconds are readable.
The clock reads 10,18,28
